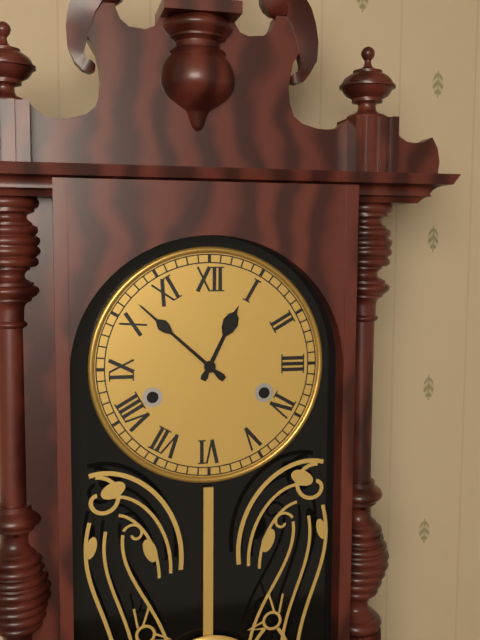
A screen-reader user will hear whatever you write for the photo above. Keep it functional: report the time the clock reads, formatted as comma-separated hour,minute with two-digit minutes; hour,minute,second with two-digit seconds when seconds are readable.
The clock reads 12,52
